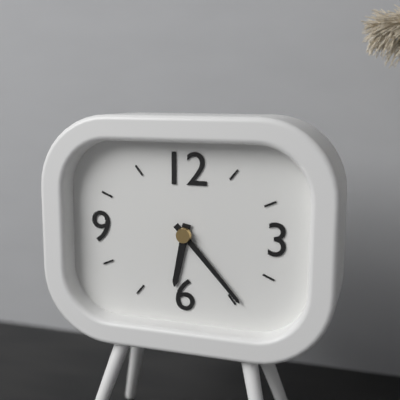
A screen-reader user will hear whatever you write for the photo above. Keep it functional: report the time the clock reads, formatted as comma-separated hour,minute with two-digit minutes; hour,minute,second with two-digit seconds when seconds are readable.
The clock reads 6,23
